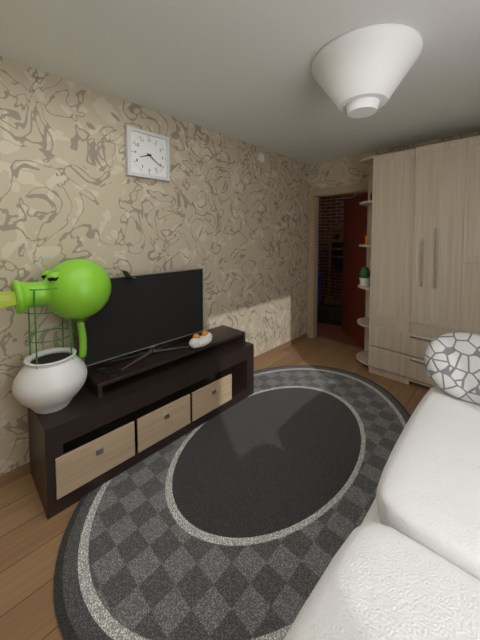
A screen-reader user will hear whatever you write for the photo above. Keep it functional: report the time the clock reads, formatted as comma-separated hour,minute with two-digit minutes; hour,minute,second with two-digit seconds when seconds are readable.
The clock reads 8,21
